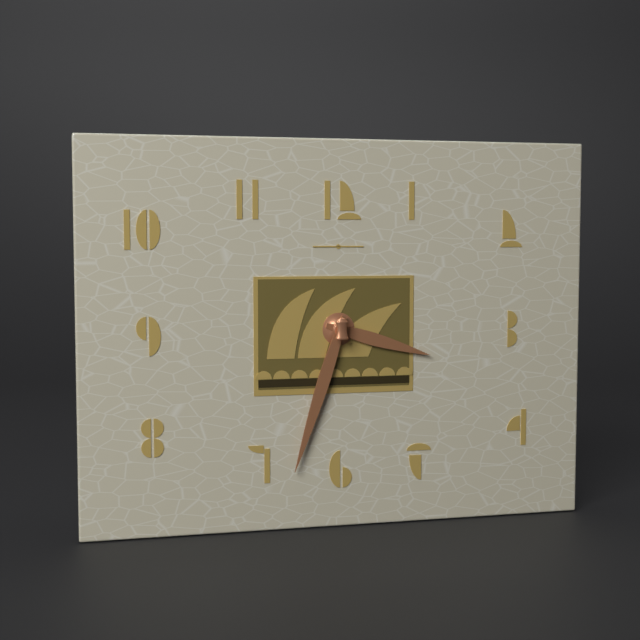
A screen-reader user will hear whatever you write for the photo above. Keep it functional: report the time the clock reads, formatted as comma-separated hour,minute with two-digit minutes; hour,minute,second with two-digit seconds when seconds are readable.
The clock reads 3,33
